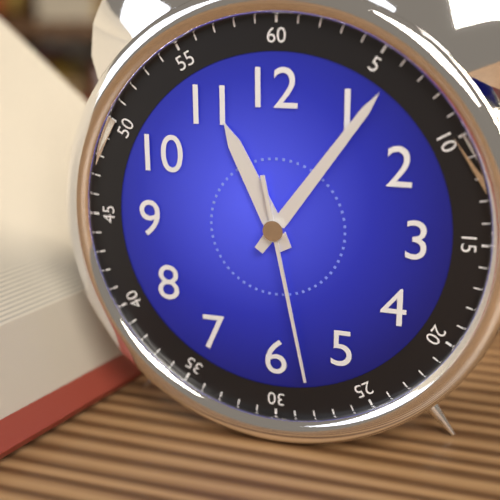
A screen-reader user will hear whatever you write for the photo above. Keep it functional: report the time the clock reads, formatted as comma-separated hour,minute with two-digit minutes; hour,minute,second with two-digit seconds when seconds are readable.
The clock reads 11,06,28
